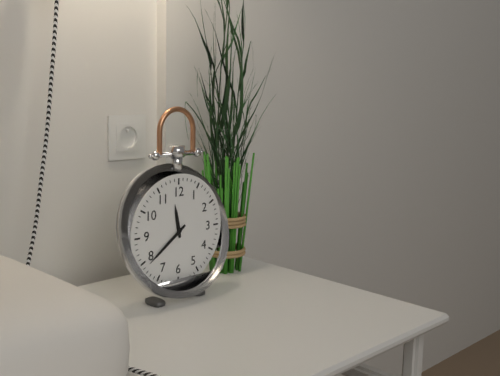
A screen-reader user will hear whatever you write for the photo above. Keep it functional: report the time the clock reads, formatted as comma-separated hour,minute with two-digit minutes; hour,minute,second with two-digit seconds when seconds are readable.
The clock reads 11,39
